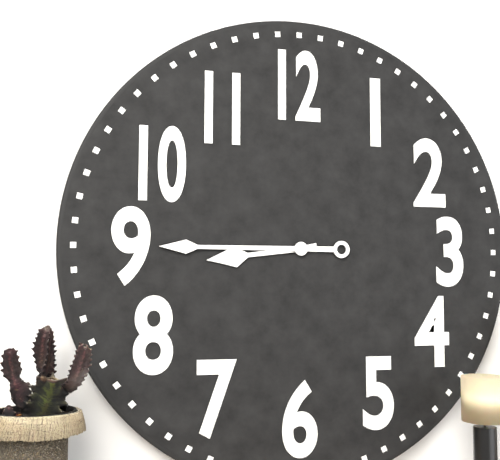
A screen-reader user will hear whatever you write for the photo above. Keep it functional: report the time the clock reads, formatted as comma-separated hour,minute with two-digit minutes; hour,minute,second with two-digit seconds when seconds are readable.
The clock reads 8,45
